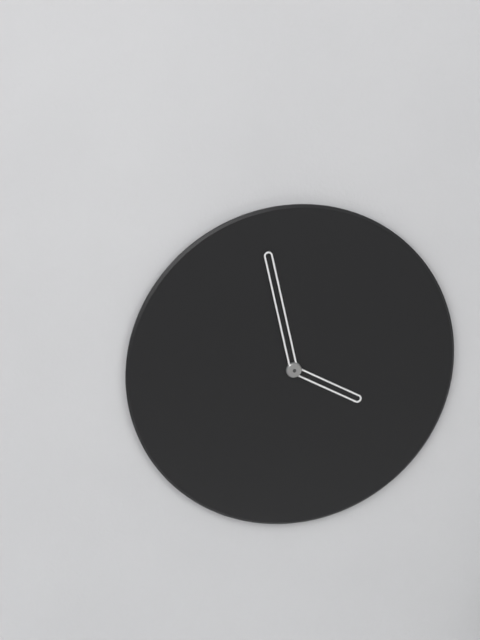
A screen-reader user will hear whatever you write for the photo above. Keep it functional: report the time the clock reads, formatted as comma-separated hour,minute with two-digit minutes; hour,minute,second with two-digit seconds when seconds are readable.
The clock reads 3,58
